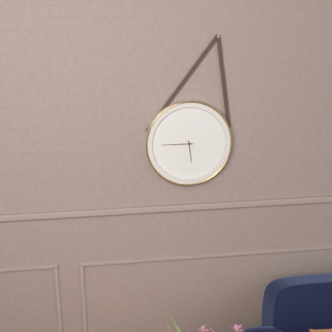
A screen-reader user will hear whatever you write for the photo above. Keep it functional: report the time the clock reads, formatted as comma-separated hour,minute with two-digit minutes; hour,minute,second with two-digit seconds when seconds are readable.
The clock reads 5,45
